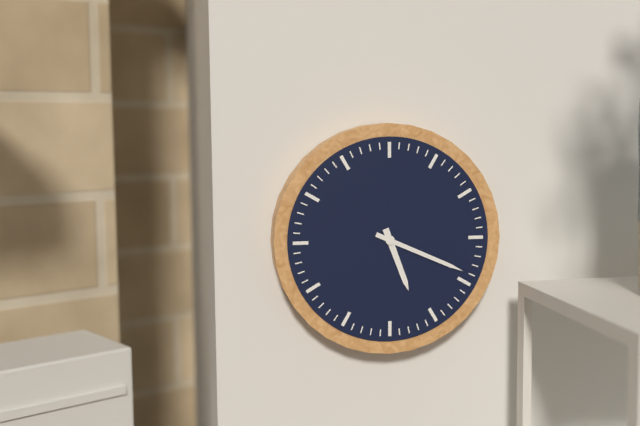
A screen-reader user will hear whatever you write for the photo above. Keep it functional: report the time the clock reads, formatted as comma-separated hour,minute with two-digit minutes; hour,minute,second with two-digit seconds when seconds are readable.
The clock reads 5,19
